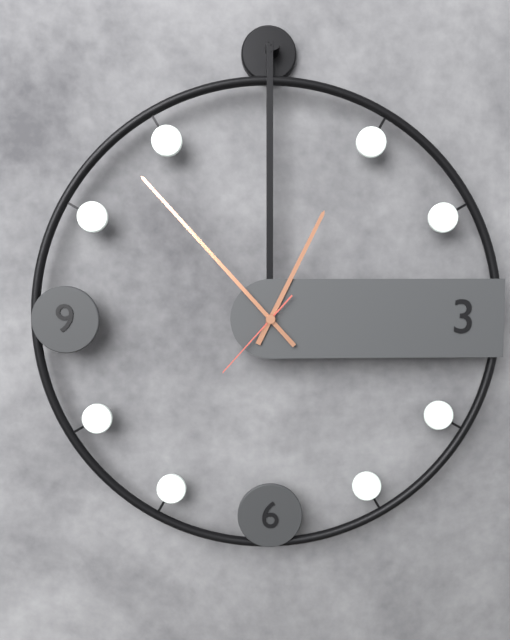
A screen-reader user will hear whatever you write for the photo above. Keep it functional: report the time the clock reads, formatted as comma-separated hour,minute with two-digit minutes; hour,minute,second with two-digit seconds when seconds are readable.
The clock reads 12,53,37
